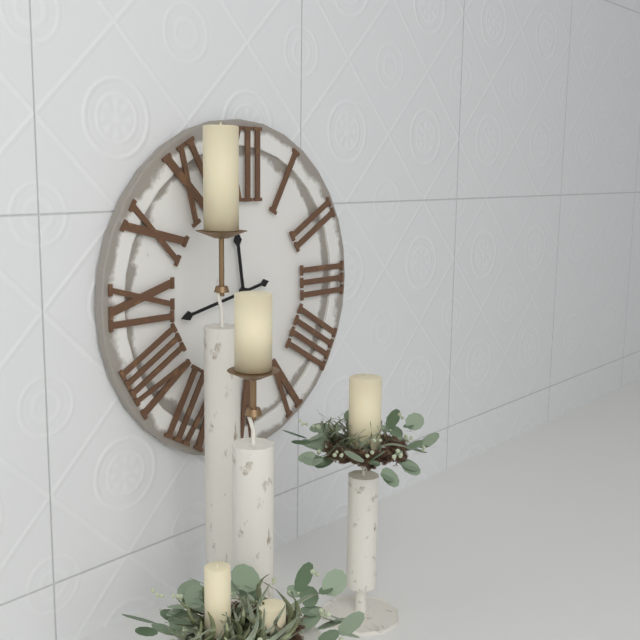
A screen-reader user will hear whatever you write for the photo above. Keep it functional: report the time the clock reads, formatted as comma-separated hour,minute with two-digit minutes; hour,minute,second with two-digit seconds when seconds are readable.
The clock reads 11,43
